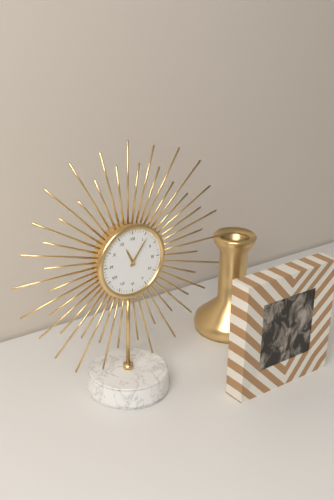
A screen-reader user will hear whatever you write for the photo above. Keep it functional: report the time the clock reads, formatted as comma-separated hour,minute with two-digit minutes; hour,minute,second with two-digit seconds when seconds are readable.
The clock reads 11,06
